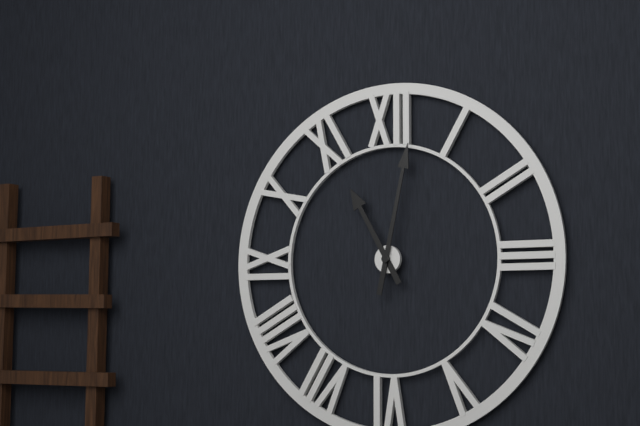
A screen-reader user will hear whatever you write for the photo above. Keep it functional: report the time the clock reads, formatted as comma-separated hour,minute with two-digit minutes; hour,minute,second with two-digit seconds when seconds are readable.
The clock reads 11,02
